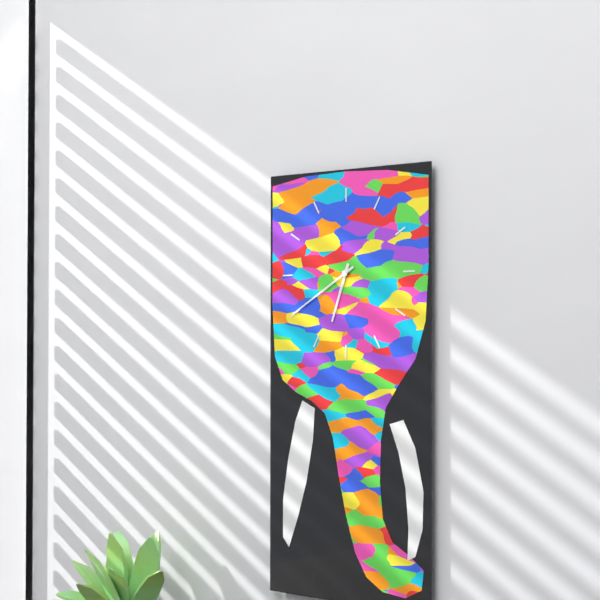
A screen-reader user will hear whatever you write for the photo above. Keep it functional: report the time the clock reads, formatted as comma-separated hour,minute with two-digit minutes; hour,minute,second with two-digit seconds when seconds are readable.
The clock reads 6,40
